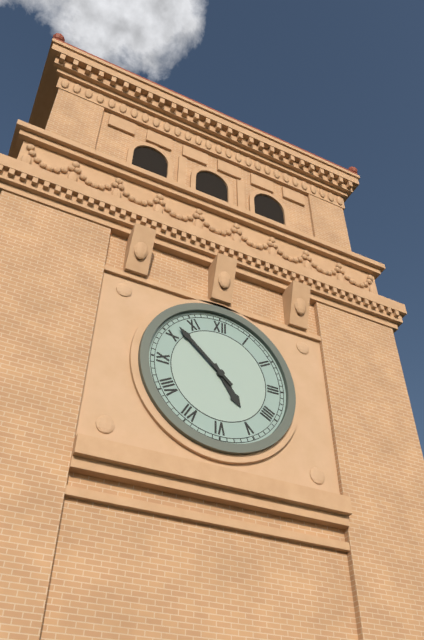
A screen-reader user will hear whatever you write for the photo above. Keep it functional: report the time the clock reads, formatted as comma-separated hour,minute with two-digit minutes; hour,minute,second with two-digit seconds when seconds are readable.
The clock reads 4,52
